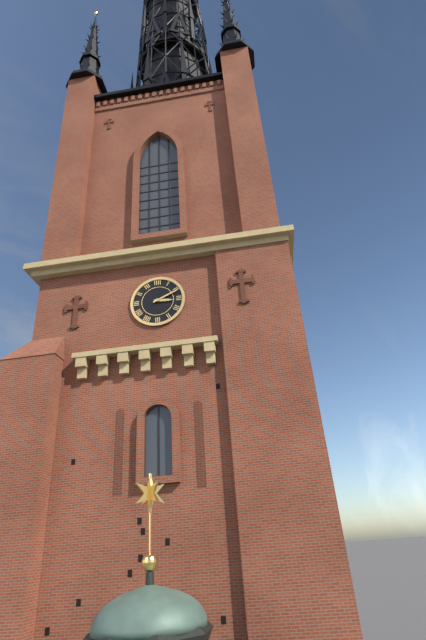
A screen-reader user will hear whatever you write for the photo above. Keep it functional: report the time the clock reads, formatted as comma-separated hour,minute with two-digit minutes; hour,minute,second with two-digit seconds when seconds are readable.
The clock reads 3,11
